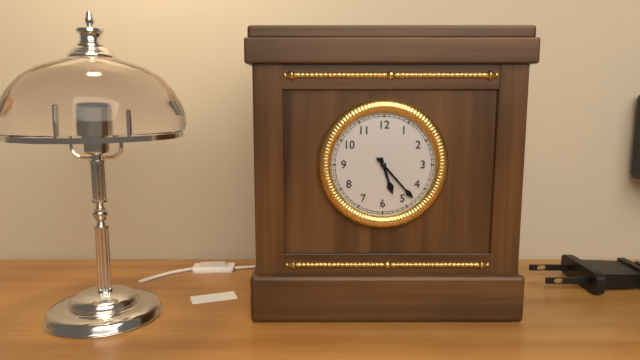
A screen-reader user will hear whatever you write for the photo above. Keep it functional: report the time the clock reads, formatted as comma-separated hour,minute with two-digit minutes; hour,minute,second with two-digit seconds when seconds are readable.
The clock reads 5,23
